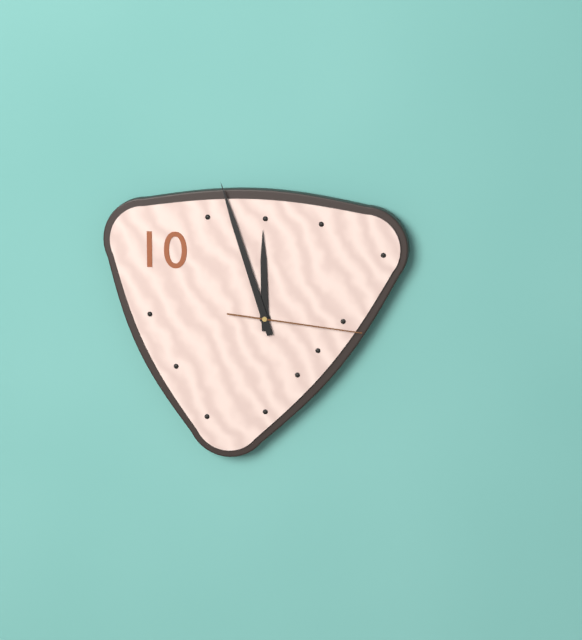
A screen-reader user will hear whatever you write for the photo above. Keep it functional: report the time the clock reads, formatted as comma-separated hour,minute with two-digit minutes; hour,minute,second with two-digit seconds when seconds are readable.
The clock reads 11,57,16
